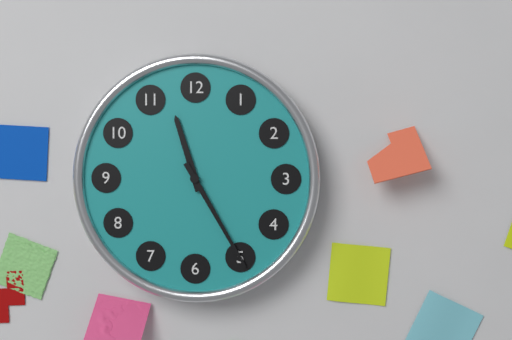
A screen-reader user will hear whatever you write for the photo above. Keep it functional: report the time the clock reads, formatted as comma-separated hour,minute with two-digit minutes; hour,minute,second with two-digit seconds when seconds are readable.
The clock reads 11,25
